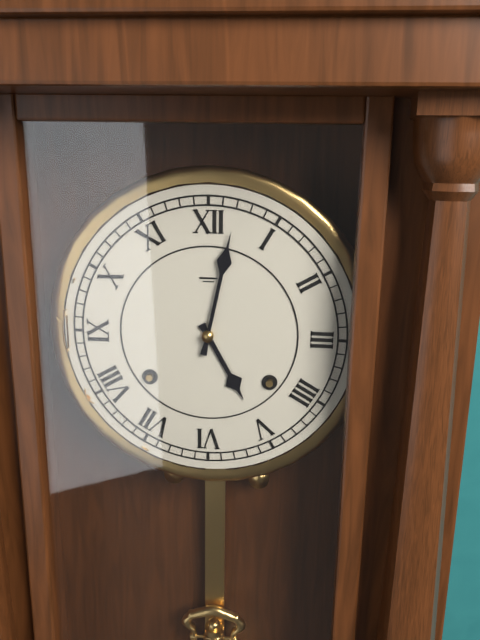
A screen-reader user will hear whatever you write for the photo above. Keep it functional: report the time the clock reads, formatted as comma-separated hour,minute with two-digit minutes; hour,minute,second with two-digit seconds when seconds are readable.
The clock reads 5,02
